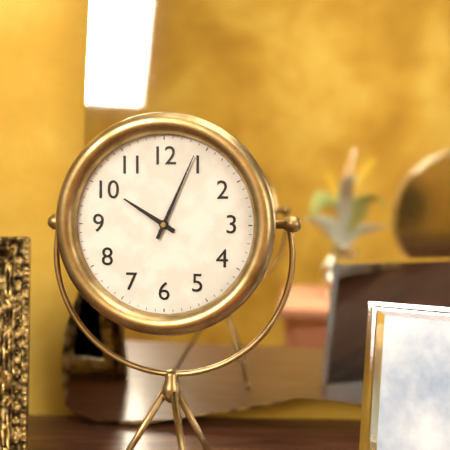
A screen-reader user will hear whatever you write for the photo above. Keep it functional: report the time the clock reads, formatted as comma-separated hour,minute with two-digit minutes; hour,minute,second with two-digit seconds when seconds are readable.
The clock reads 10,04
